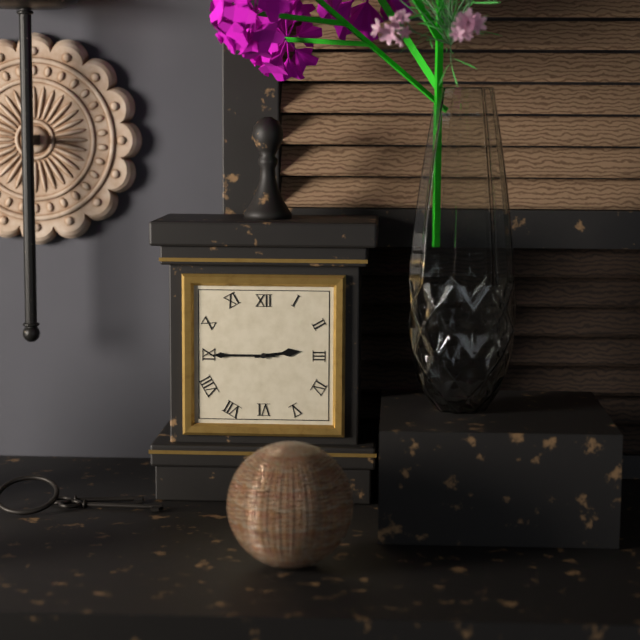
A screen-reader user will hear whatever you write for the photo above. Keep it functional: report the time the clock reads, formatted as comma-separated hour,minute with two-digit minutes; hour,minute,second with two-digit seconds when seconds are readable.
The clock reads 2,45
